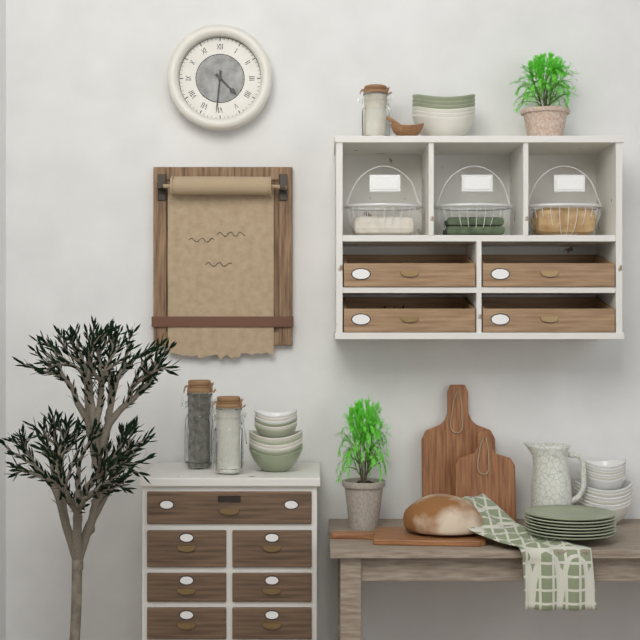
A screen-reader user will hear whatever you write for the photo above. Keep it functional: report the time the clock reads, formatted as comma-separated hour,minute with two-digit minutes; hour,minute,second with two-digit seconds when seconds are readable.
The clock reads 4,31
